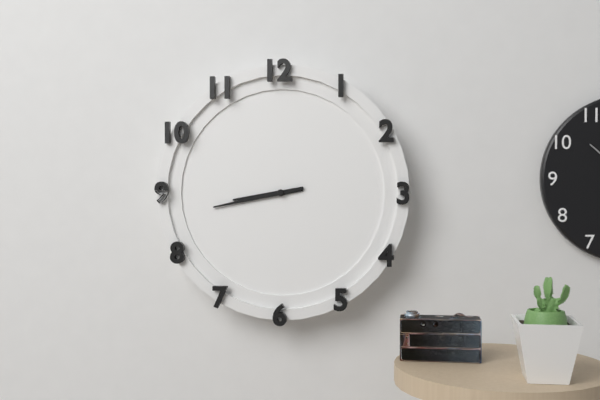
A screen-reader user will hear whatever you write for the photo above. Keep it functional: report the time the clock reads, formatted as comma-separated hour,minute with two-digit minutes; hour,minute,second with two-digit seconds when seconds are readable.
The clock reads 8,43
